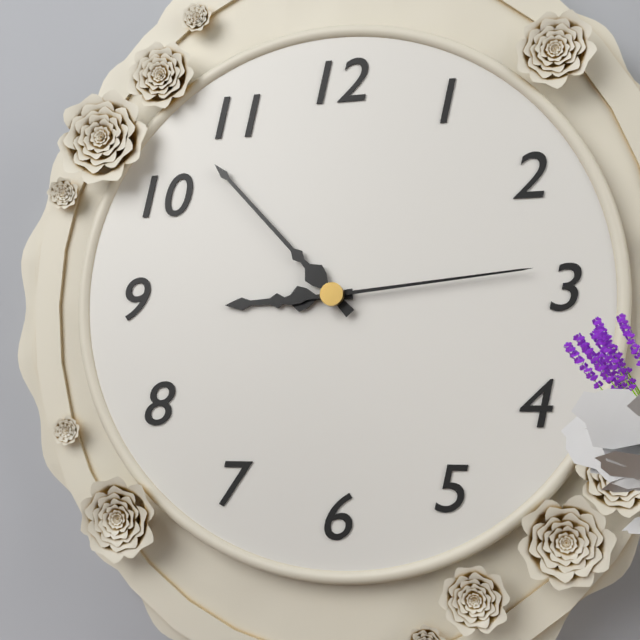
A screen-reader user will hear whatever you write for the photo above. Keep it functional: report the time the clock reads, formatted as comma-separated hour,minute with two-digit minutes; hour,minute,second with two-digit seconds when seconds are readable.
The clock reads 8,53,14
